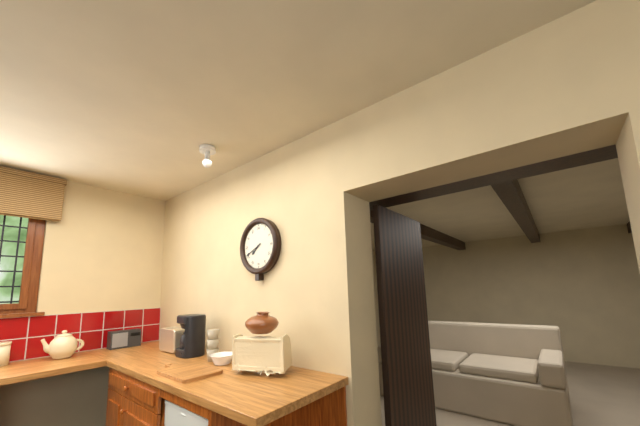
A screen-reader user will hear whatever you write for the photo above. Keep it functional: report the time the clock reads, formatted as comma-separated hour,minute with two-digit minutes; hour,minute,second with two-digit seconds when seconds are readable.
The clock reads 7,41
